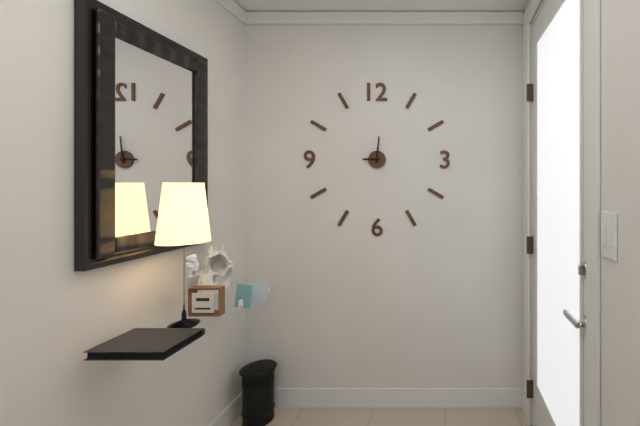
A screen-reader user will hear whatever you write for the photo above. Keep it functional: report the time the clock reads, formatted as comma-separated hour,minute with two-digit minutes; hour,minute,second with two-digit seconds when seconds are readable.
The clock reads 9,01
